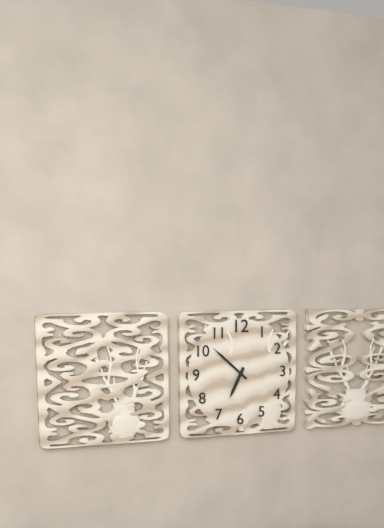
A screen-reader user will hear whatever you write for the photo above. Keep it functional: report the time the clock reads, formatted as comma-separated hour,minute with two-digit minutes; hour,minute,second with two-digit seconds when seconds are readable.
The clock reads 6,52
